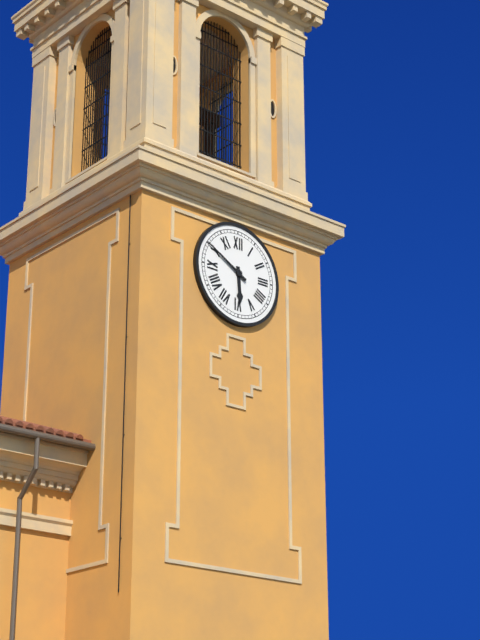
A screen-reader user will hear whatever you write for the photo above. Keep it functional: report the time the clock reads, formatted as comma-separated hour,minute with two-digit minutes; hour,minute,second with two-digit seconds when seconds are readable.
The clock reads 5,50
